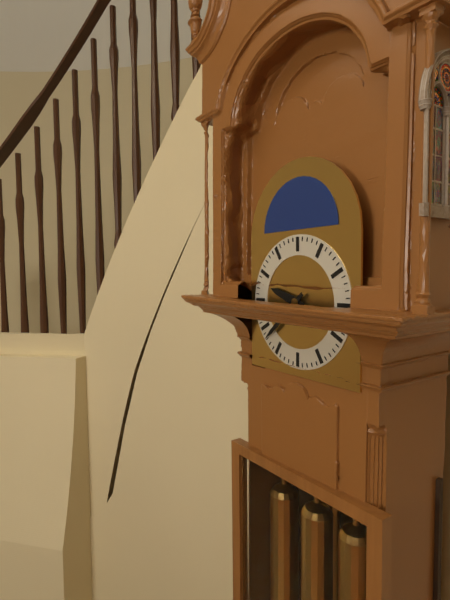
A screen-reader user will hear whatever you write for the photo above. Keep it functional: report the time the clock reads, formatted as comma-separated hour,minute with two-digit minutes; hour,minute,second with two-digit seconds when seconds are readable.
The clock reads 9,38
